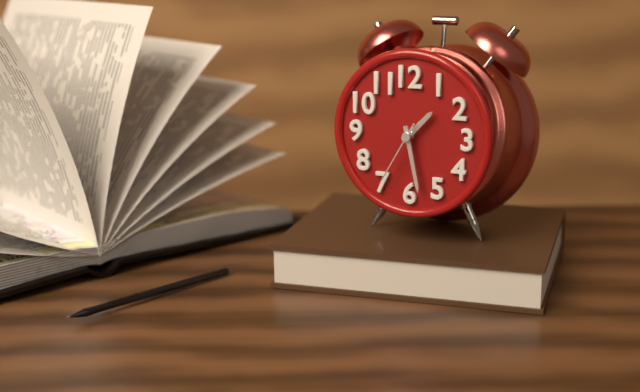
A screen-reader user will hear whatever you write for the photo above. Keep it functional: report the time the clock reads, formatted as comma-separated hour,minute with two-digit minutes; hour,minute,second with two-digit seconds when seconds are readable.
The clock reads 1,28,35
